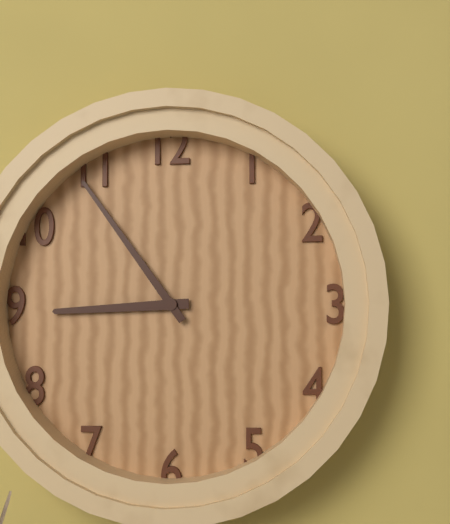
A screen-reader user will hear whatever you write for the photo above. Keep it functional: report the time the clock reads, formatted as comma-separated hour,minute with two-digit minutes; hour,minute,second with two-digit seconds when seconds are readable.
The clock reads 8,54
